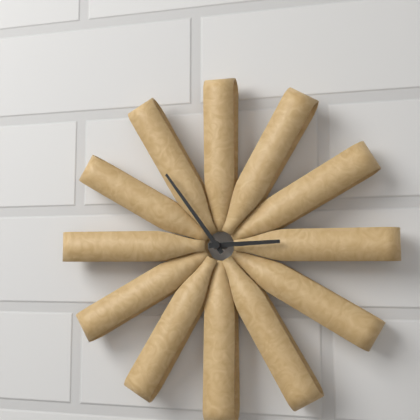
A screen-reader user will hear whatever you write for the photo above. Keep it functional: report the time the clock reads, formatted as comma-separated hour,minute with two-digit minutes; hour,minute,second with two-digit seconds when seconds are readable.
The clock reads 2,54
